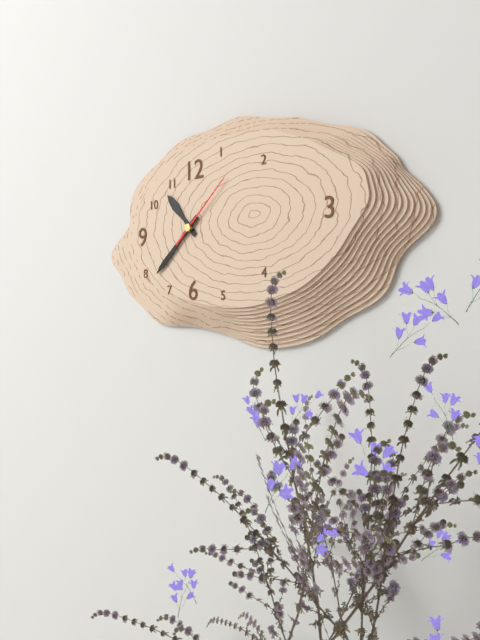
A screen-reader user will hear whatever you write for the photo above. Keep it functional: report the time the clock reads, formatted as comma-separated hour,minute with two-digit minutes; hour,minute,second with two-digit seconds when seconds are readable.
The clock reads 10,38,08
